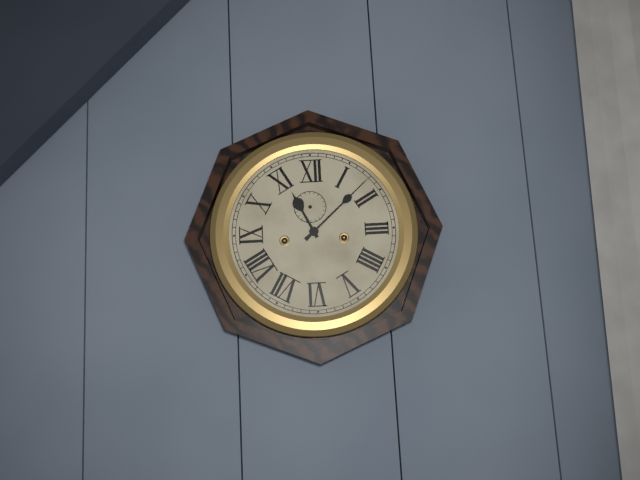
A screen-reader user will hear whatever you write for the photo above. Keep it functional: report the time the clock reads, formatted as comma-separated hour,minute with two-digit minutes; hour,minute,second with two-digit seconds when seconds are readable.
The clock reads 11,08
